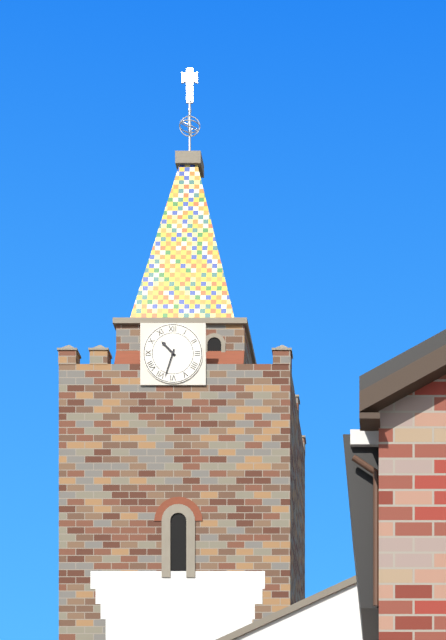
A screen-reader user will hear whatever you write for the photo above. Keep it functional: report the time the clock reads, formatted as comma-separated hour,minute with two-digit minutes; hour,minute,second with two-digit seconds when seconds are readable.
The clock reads 10,33
